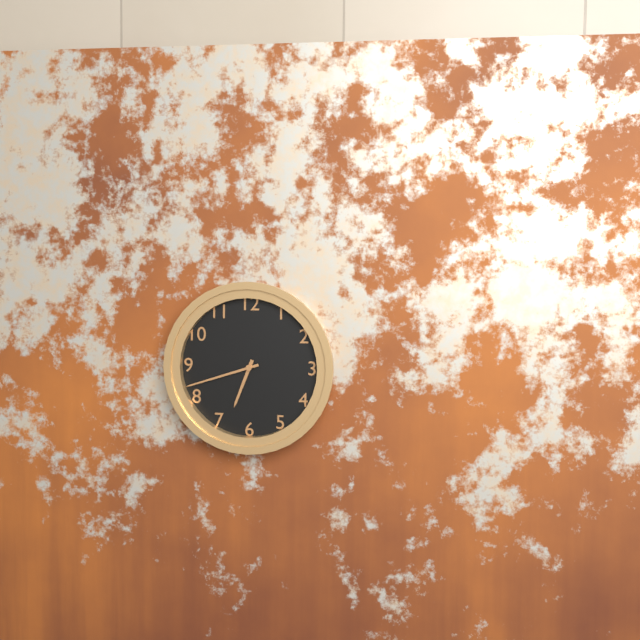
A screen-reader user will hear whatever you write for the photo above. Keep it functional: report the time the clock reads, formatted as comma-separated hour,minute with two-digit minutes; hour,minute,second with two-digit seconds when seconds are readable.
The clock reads 6,42
